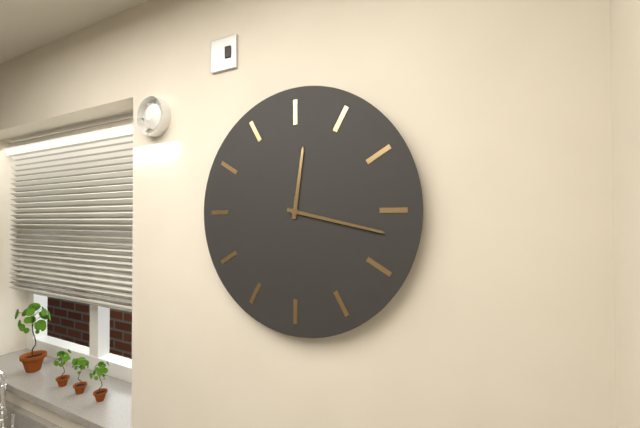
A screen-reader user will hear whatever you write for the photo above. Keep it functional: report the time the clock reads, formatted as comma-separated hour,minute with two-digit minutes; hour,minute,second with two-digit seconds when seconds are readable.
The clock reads 12,17
